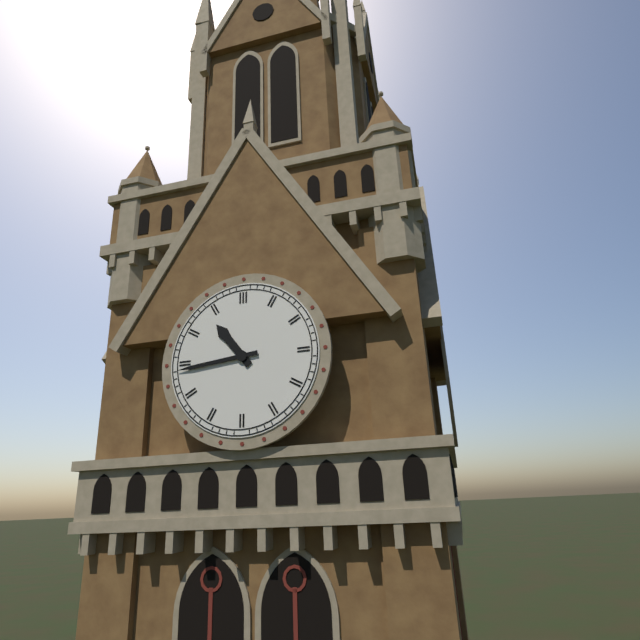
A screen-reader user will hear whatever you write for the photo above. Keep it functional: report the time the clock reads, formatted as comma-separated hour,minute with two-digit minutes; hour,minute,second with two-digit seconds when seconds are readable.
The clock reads 10,44
